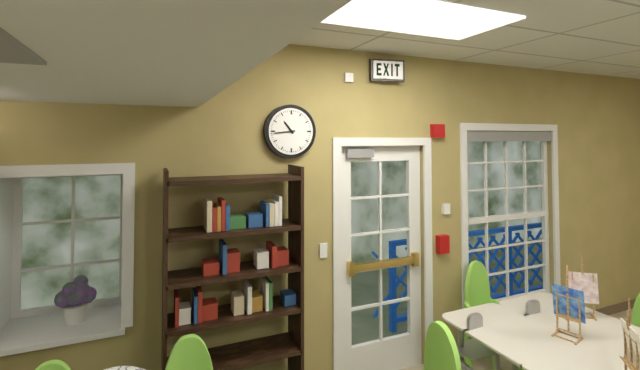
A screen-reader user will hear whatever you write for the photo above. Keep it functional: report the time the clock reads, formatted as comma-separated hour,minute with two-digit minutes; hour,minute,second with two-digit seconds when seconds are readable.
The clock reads 10,44
